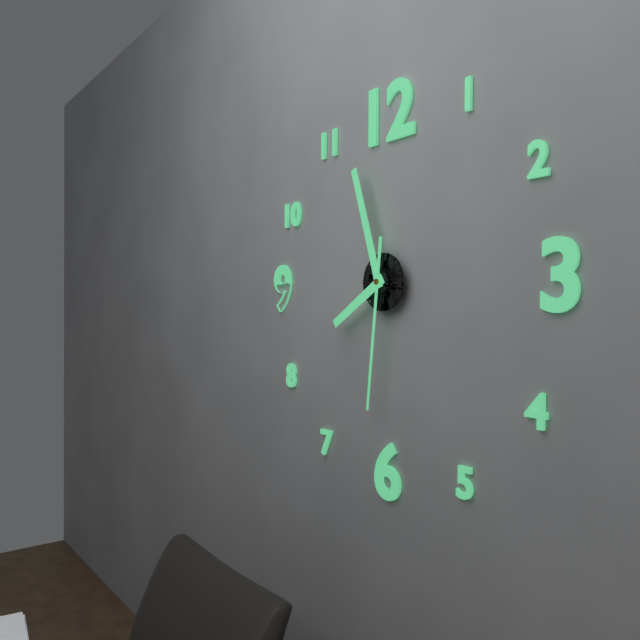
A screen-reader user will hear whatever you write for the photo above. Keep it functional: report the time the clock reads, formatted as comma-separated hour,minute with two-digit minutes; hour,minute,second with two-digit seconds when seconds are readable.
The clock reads 7,57,31
